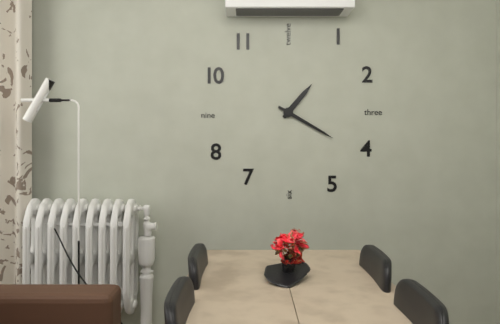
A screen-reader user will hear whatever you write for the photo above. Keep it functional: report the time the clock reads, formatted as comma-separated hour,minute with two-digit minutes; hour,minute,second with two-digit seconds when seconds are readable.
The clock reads 1,20
